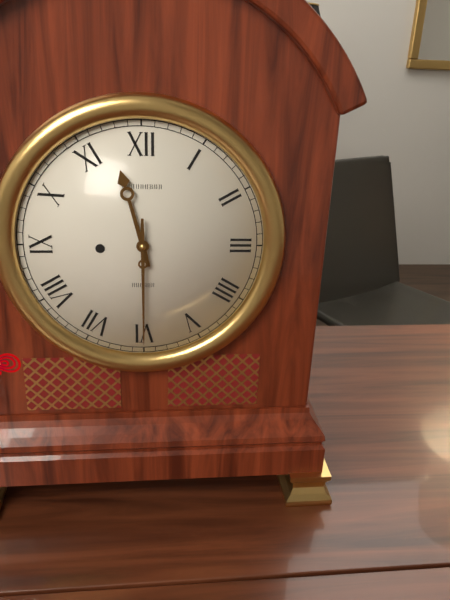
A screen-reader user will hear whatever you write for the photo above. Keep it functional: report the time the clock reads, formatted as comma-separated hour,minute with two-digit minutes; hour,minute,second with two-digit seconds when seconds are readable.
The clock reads 11,30
